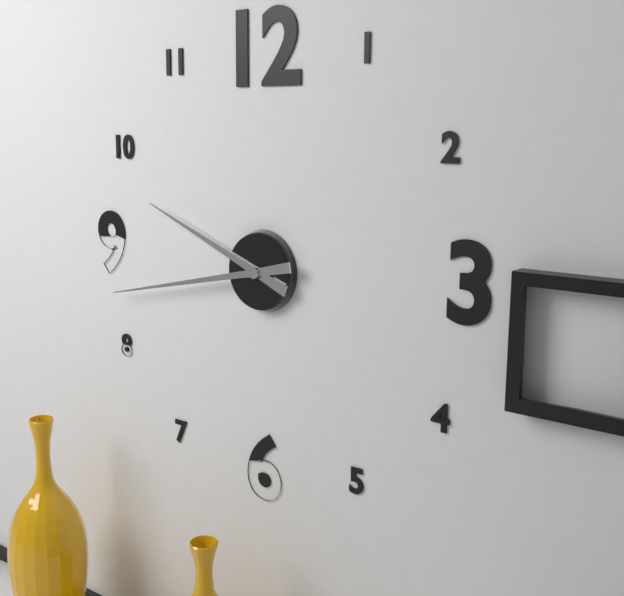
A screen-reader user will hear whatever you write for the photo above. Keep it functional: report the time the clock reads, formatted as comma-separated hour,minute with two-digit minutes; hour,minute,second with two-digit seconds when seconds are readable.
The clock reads 9,43
